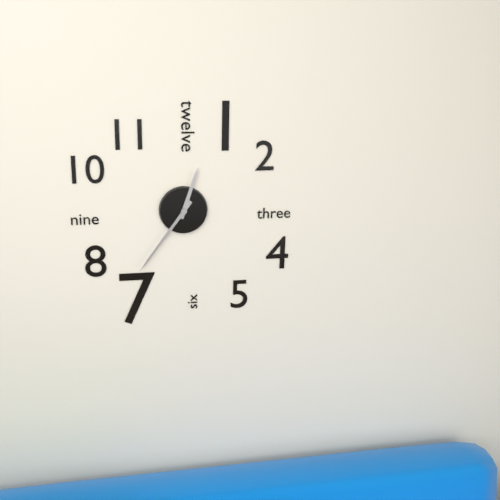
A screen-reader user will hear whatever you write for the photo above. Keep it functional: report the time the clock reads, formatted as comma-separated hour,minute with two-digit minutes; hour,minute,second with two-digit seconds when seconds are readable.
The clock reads 12,36
